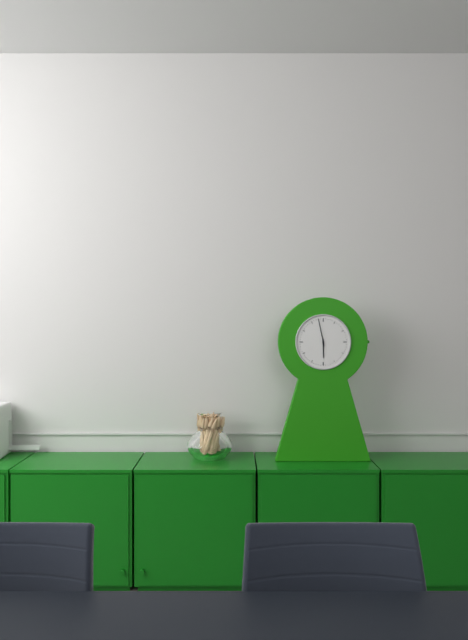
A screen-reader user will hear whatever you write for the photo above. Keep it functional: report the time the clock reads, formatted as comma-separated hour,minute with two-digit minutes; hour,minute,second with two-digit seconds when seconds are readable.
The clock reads 5,58
